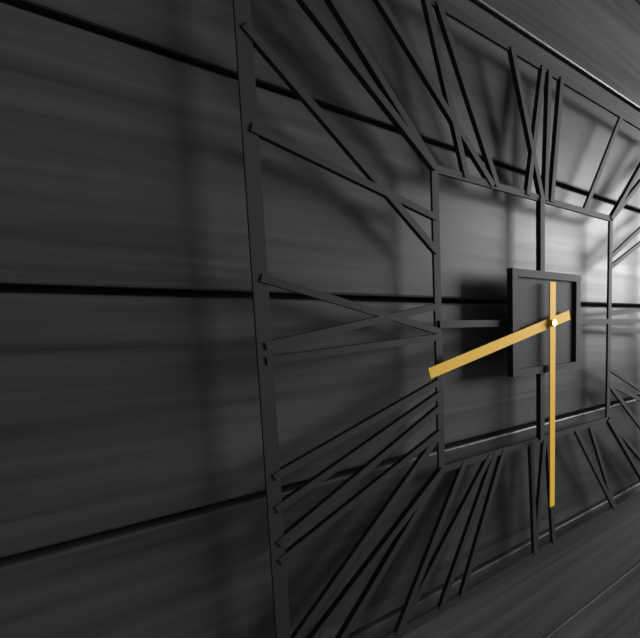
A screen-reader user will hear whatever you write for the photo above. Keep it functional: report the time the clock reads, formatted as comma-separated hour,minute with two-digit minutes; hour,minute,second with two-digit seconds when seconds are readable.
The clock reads 8,30
